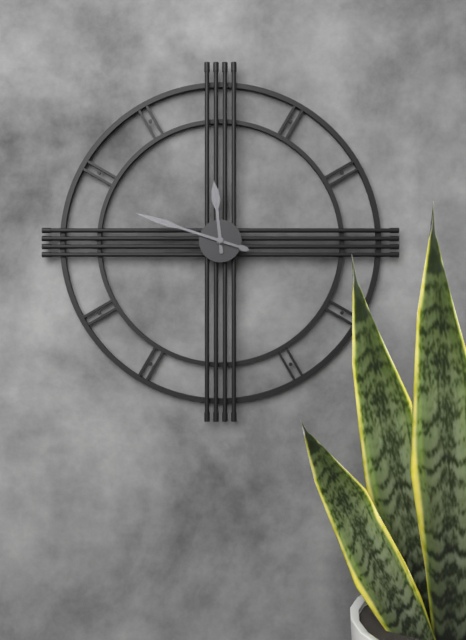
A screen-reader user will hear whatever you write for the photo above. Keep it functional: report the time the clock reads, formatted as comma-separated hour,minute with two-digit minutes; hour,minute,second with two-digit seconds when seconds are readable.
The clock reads 11,48
